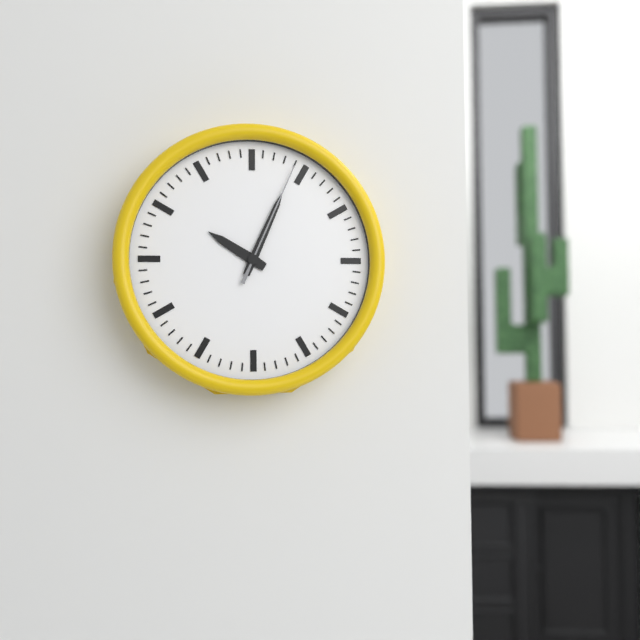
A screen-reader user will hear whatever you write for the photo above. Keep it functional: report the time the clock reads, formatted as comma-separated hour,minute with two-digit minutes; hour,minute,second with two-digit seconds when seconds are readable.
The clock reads 10,04,04
